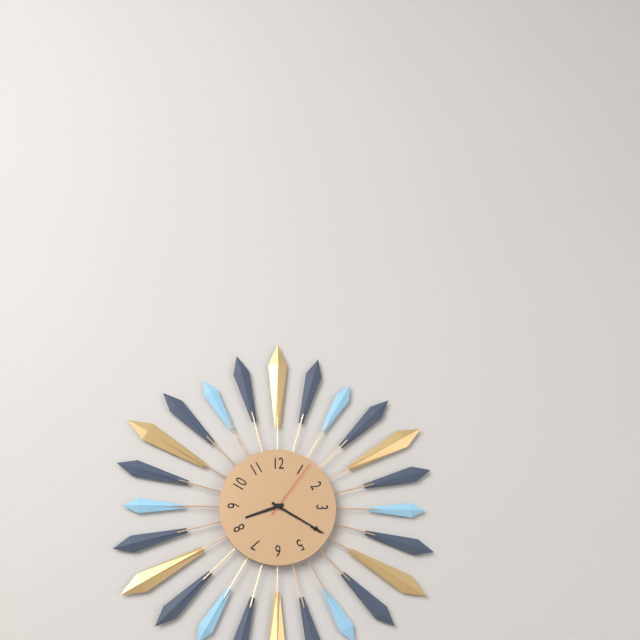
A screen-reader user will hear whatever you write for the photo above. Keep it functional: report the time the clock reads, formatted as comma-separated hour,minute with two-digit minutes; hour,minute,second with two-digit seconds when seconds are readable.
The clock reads 8,20,06
